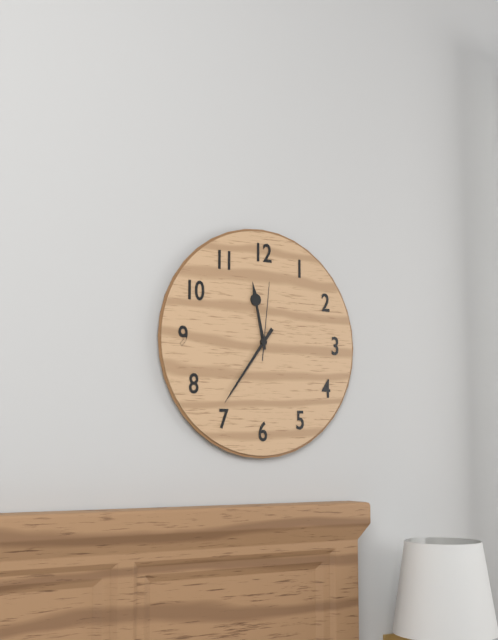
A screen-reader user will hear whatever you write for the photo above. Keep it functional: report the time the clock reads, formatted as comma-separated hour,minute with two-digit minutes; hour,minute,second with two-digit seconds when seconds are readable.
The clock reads 11,36,01
